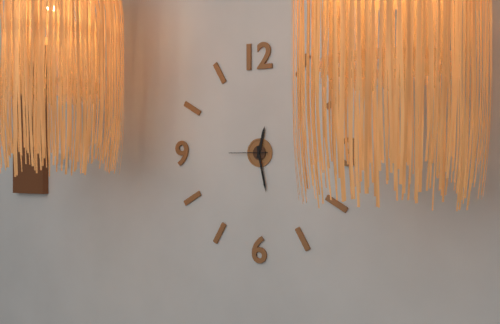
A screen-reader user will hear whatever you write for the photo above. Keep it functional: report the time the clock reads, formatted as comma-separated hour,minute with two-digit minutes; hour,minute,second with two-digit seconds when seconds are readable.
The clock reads 12,28
